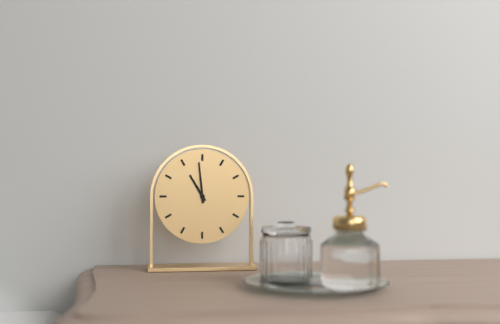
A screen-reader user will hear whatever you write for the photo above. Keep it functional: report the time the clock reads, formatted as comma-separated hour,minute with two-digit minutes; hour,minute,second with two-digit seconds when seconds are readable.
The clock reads 10,59
